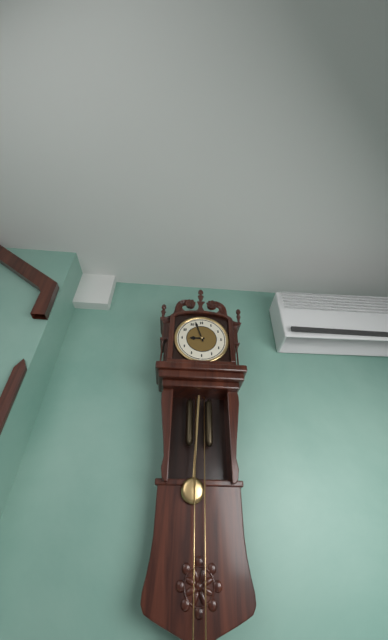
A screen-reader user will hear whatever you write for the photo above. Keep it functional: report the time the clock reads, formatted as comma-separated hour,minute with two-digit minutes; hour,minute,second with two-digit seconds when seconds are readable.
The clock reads 8,57
